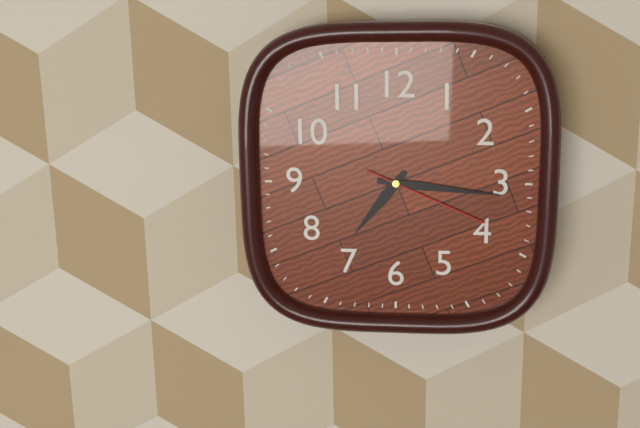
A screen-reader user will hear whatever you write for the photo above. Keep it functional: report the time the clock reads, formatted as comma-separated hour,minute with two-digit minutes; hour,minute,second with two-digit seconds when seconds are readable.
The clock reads 7,16,19
